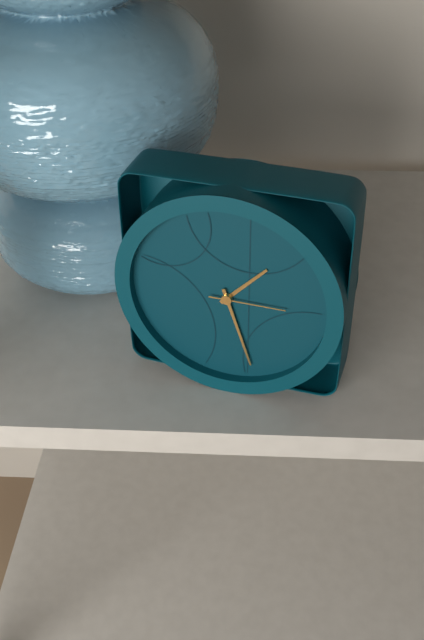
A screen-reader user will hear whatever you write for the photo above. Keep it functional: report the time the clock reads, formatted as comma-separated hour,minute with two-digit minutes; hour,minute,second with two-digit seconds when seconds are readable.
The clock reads 1,27,15
